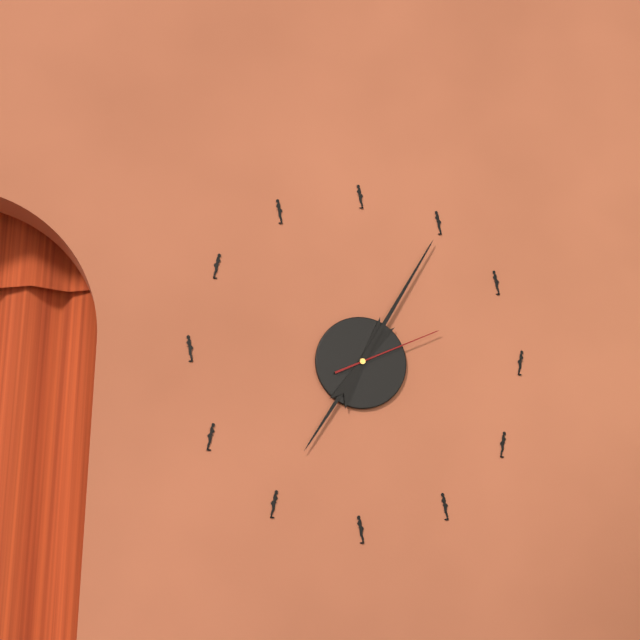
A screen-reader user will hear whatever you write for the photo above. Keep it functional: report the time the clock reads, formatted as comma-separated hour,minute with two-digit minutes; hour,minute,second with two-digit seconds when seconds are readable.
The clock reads 7,05,11
